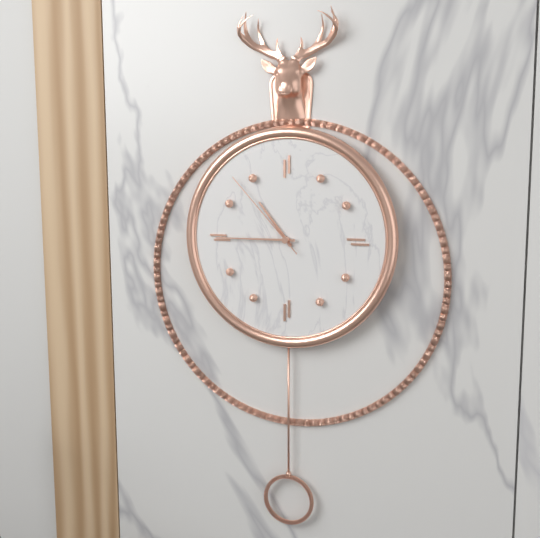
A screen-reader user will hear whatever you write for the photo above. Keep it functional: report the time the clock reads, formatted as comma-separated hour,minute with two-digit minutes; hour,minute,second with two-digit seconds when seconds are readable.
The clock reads 10,45,53
